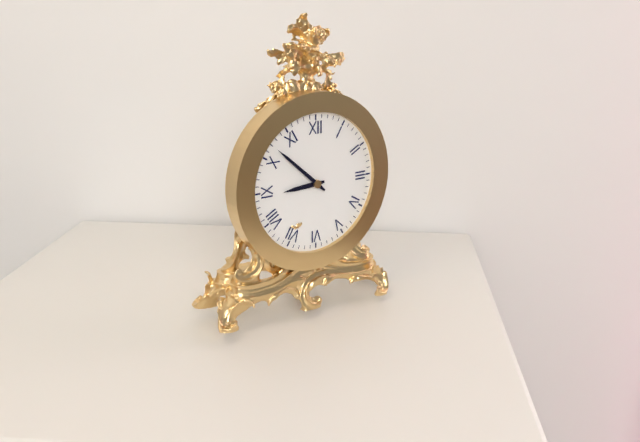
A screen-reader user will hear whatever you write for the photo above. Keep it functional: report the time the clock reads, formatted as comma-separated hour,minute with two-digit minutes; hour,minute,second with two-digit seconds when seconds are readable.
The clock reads 8,52
